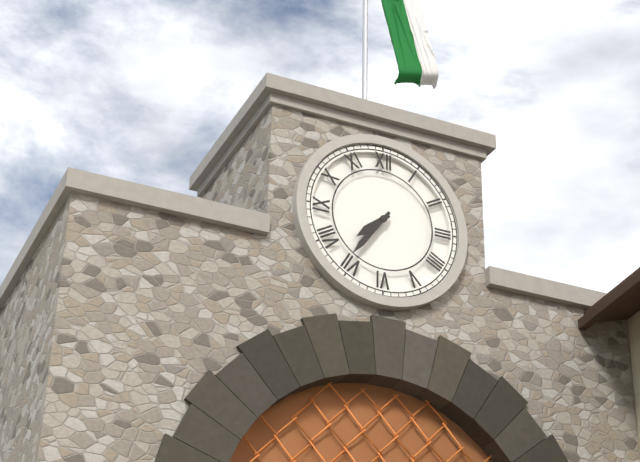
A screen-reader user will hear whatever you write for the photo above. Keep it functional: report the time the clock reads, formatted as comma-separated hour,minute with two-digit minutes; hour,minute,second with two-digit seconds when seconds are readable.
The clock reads 7,36
